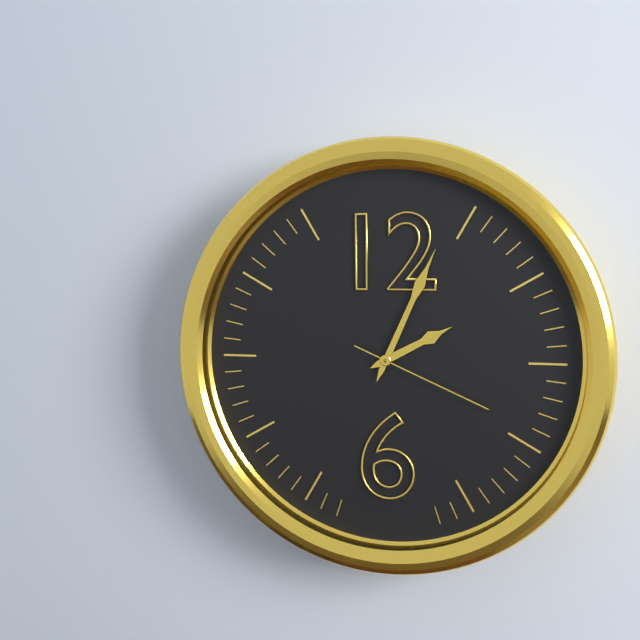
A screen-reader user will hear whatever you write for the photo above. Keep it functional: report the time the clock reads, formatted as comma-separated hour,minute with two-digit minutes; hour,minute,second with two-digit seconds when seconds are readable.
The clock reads 2,04,19
